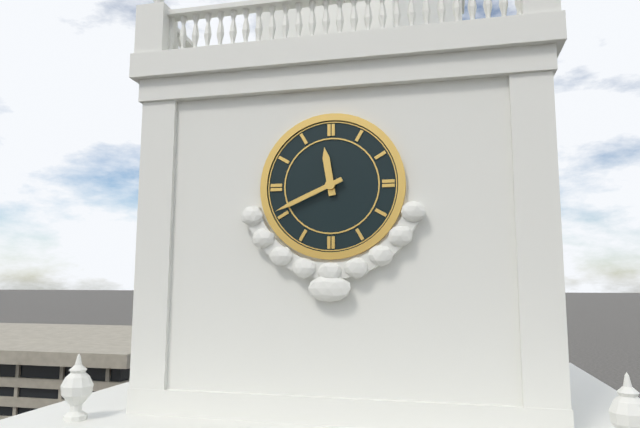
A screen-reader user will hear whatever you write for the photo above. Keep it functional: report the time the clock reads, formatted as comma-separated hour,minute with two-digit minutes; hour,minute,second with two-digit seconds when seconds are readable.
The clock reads 11,41
